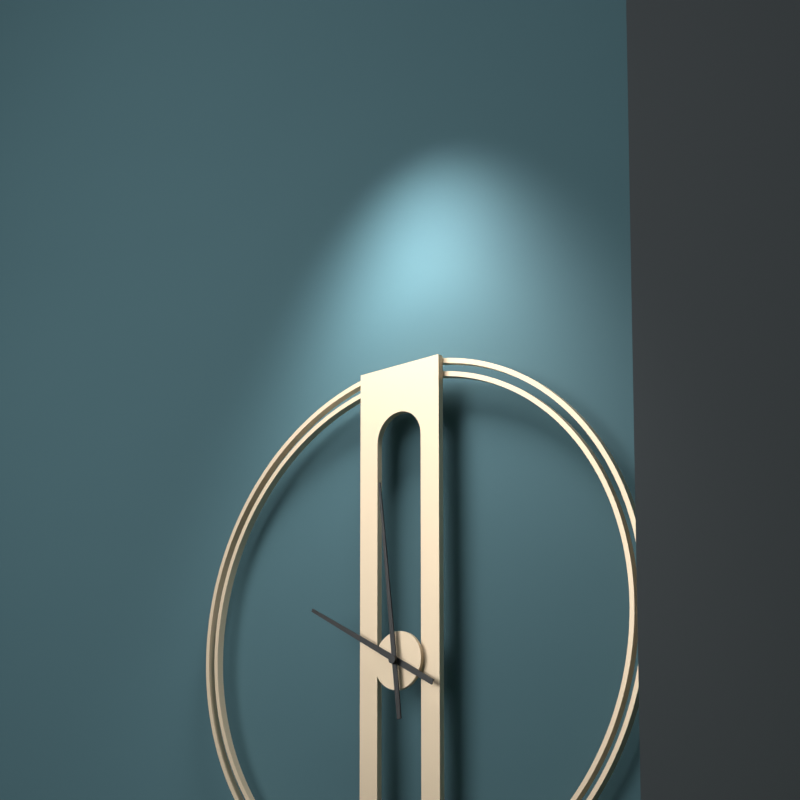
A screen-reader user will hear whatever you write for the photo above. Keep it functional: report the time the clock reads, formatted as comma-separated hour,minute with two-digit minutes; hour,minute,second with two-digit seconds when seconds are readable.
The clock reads 9,59
